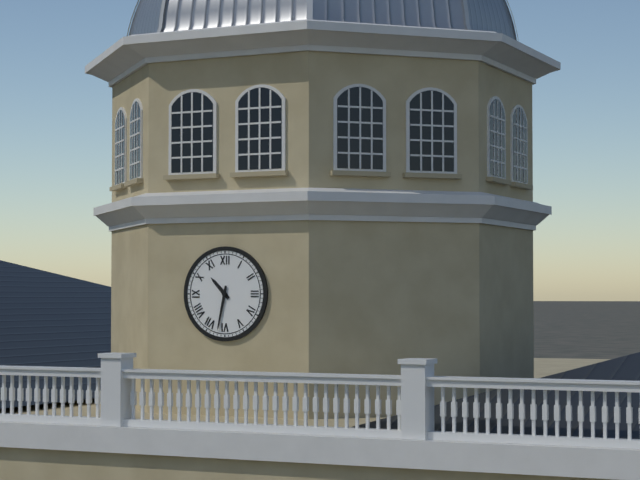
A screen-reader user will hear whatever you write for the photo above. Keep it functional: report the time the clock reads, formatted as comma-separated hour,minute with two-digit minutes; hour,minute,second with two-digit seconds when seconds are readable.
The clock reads 10,32
